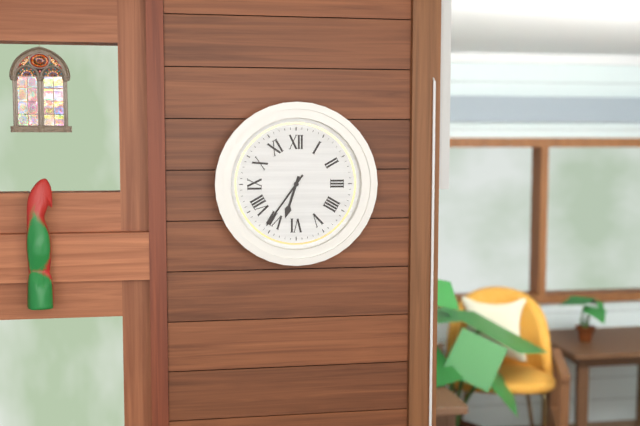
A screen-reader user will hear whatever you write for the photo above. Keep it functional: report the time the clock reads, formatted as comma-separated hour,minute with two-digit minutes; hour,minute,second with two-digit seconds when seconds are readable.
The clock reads 6,36
